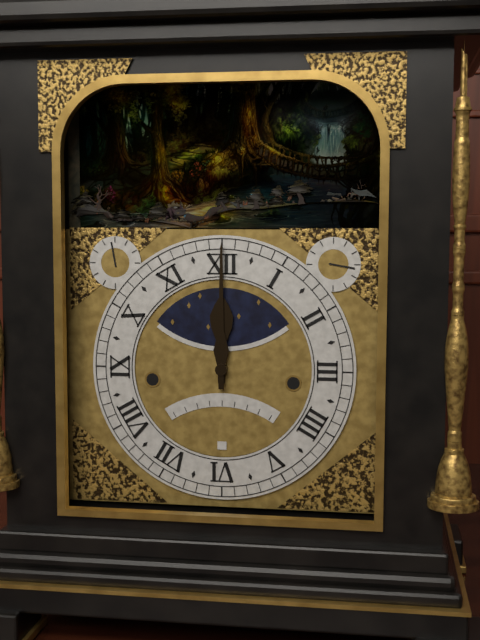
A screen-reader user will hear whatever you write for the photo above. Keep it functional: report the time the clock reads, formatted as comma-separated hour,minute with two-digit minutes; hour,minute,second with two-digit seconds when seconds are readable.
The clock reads 12,00
